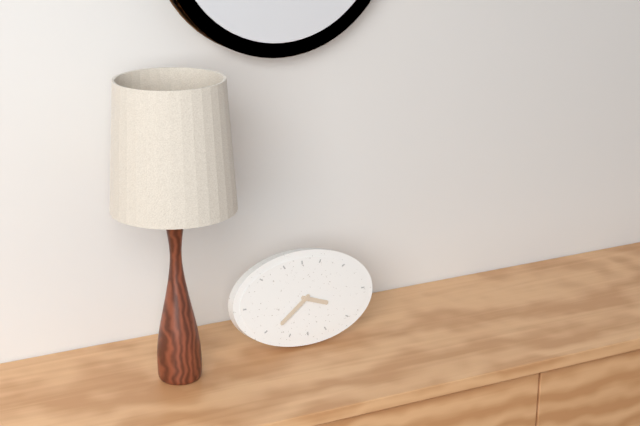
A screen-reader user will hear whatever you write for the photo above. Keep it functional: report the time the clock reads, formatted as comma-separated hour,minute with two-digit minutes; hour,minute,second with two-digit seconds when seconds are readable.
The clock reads 3,39
